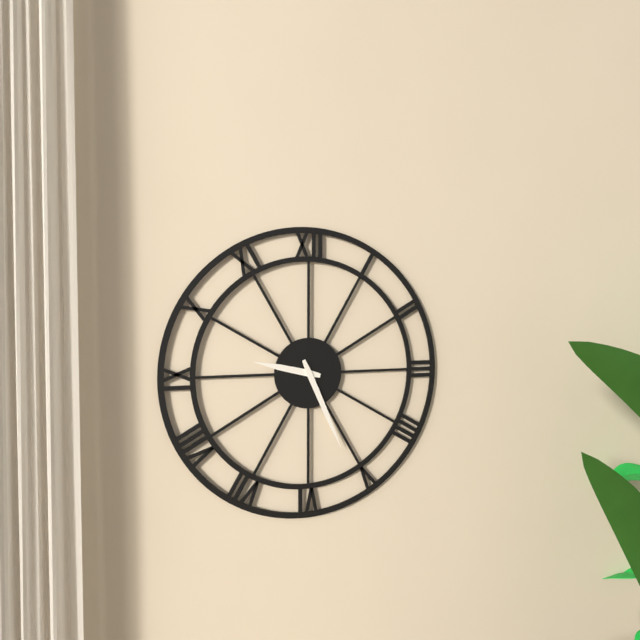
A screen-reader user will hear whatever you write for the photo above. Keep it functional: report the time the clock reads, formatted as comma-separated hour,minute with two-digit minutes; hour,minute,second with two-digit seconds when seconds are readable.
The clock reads 9,26
